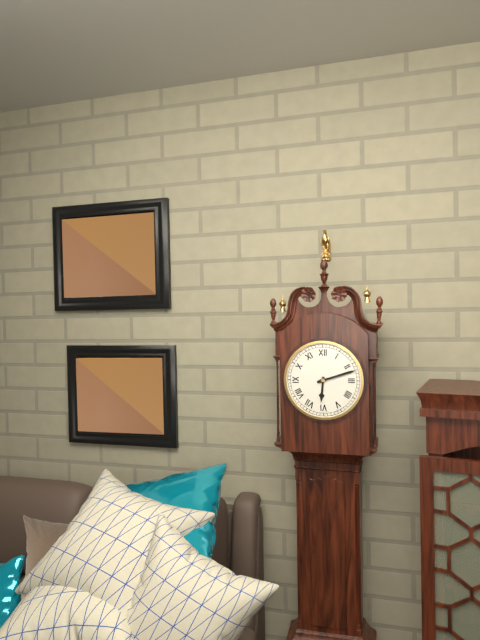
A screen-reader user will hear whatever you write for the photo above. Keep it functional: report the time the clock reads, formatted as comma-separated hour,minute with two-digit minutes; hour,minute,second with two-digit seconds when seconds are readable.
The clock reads 6,12
